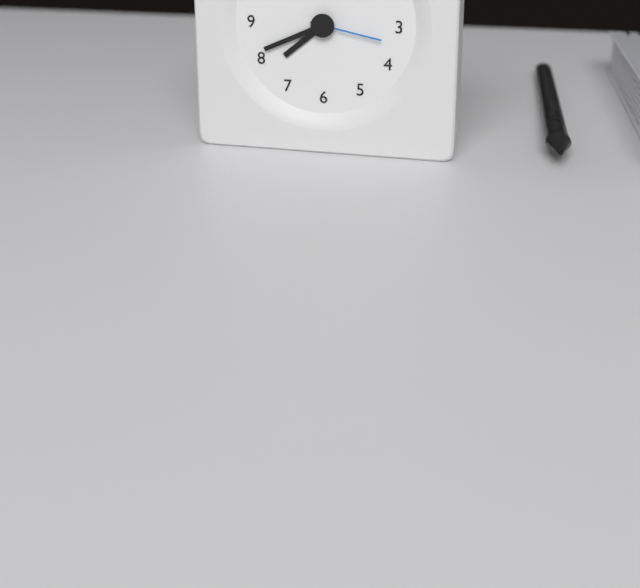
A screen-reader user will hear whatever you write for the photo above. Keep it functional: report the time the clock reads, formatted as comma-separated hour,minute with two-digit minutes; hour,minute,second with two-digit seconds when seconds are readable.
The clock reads 7,41,17
